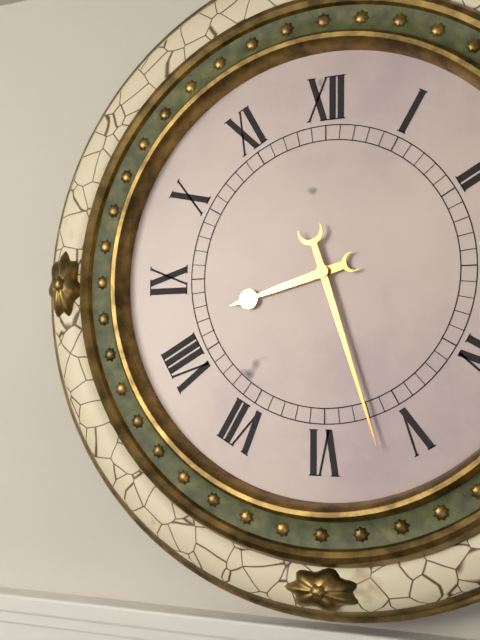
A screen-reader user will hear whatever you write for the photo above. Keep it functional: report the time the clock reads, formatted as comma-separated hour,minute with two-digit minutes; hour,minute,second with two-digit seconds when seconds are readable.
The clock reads 8,27
